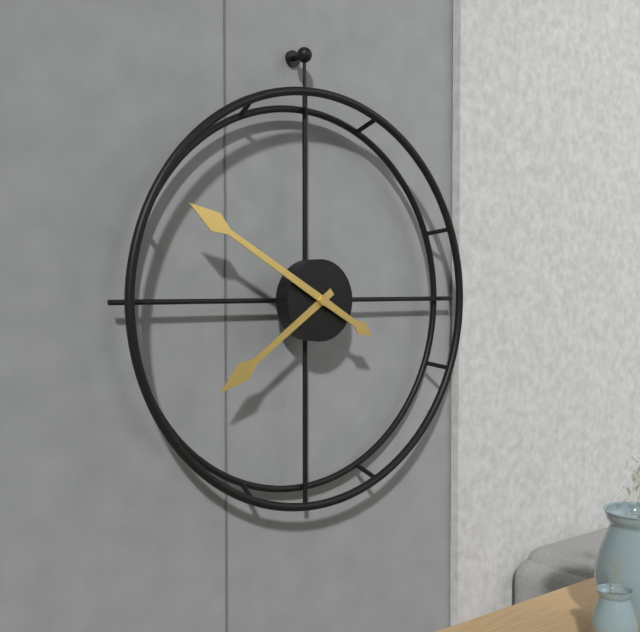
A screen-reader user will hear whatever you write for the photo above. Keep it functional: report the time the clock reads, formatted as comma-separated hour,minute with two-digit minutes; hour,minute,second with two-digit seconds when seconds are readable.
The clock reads 7,50
